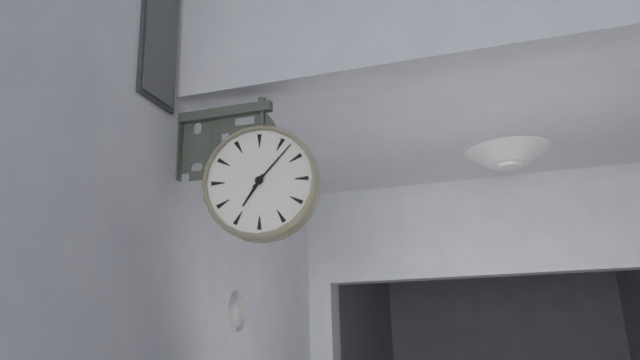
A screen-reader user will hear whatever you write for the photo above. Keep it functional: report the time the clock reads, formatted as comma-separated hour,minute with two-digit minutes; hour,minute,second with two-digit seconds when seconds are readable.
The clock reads 7,07
